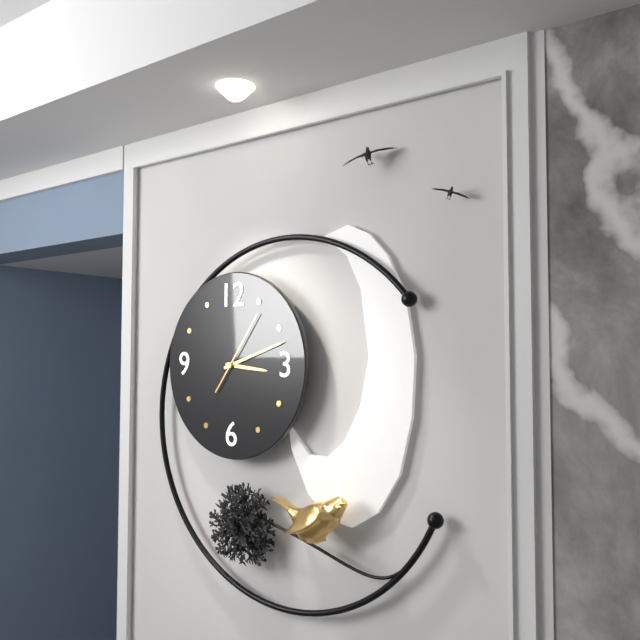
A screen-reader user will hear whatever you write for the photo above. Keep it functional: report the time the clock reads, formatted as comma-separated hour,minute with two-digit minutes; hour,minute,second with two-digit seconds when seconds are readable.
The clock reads 3,12,06
